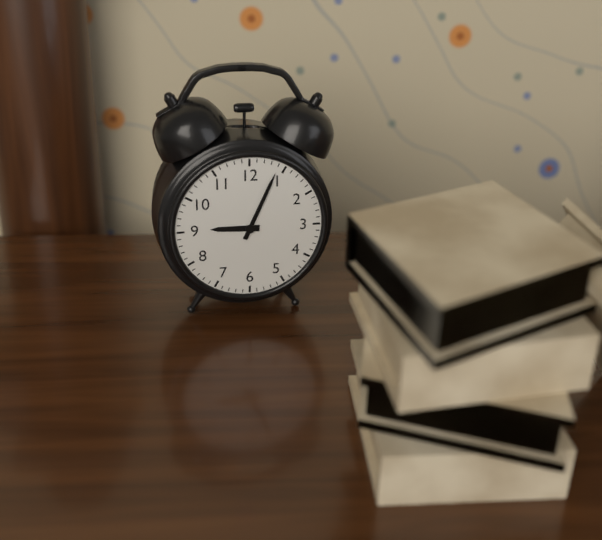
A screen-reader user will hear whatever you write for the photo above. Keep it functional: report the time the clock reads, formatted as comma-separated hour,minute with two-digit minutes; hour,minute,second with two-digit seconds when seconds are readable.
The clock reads 9,04
